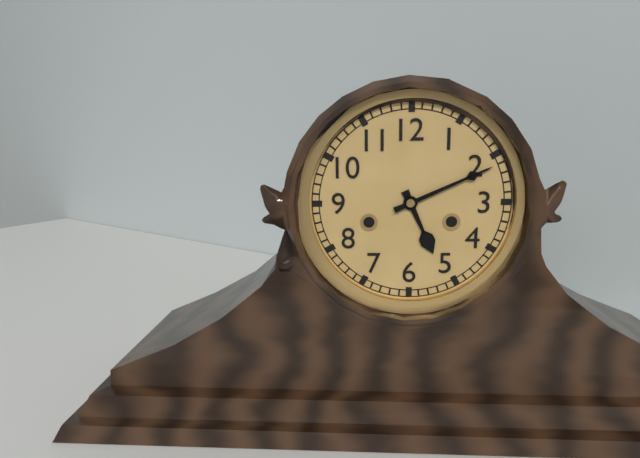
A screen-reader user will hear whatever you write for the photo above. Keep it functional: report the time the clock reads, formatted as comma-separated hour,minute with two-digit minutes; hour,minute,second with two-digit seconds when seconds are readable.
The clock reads 5,11
